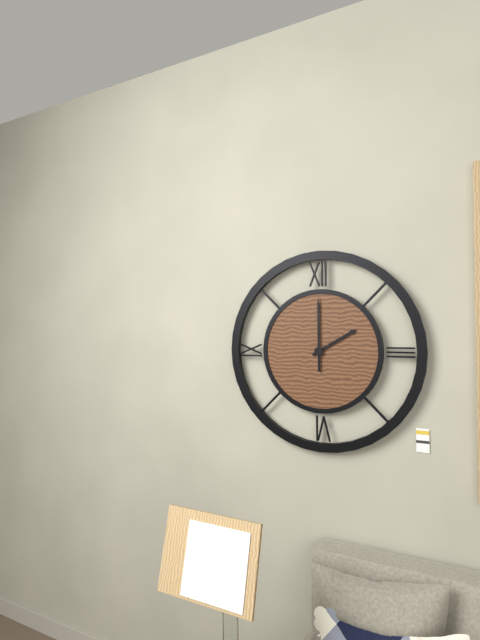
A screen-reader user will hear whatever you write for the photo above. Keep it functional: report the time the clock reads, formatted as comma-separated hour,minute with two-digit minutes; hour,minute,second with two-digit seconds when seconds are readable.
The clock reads 2,00
